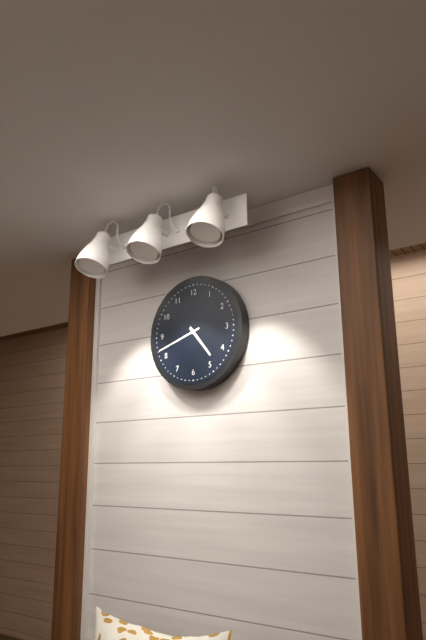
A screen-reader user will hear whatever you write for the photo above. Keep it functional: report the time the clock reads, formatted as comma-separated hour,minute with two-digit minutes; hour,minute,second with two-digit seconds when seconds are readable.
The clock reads 4,42
